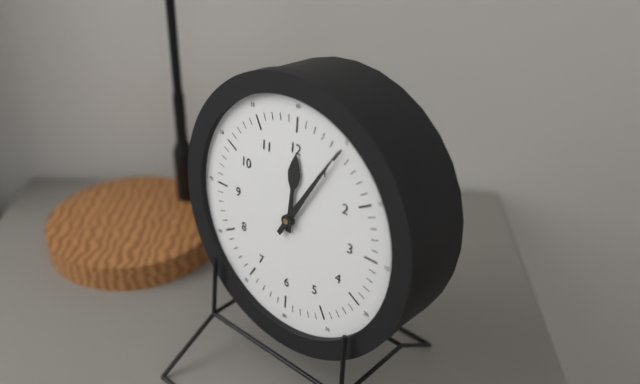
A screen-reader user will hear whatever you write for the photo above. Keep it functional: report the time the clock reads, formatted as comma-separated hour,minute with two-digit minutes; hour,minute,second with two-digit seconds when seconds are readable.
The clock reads 12,05
